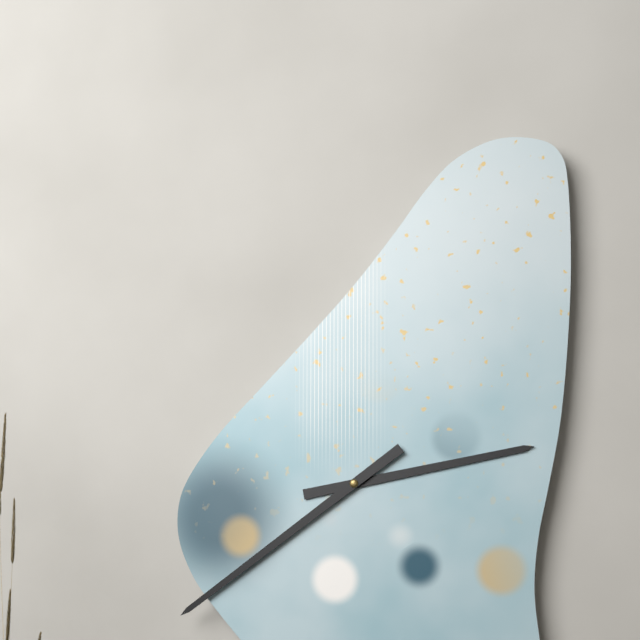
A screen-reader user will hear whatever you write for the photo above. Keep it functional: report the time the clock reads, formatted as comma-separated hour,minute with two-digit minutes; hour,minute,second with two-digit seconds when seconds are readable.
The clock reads 2,39
